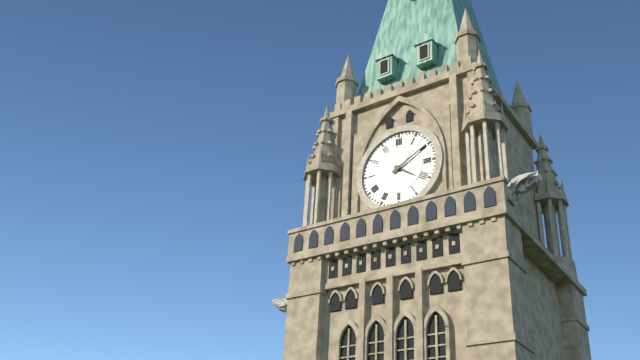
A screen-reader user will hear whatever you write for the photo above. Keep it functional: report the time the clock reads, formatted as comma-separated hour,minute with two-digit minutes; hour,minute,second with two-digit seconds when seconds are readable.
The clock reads 4,10
